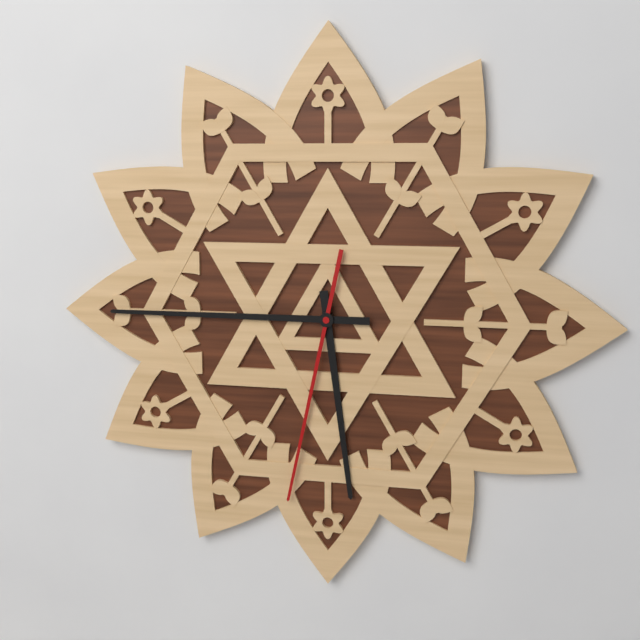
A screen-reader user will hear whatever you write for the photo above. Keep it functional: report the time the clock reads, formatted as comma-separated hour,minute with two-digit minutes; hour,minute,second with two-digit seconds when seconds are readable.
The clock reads 5,45,32
